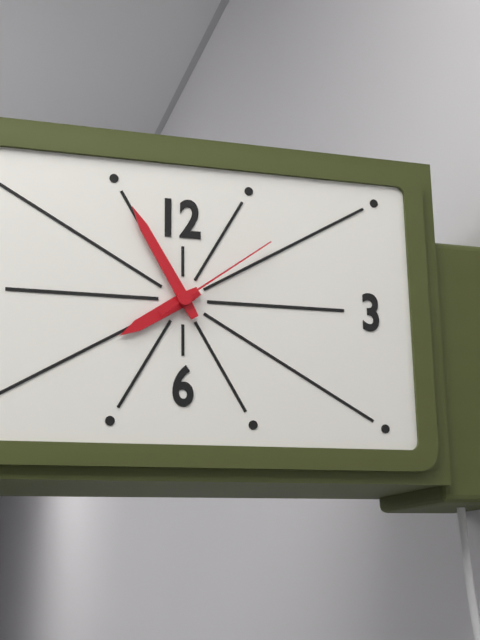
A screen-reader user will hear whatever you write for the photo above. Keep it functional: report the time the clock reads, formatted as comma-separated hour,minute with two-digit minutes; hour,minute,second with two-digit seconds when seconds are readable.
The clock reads 7,55,09
